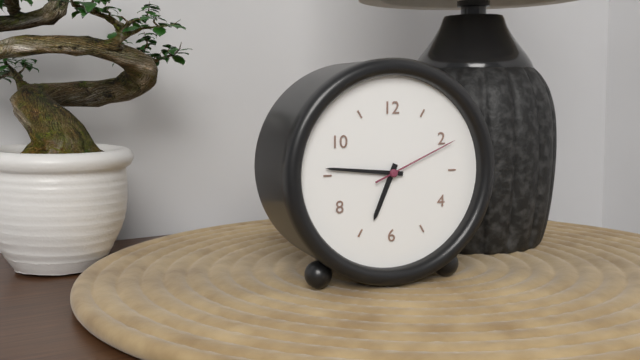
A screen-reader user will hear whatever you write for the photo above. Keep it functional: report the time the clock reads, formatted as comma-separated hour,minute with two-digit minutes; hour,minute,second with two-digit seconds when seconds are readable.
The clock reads 6,46,11
